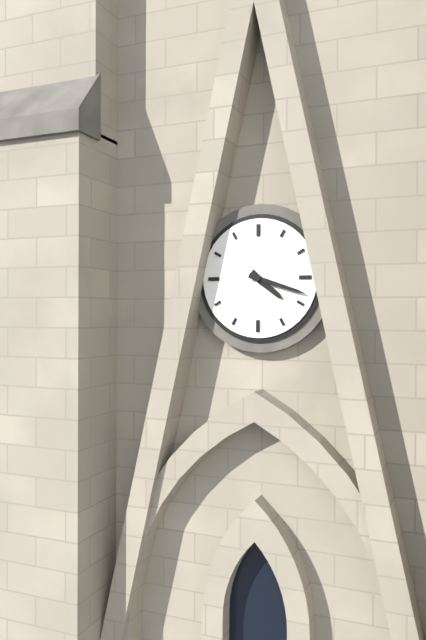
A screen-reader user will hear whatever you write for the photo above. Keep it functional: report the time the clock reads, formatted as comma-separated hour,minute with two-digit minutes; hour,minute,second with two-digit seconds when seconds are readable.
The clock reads 4,18
